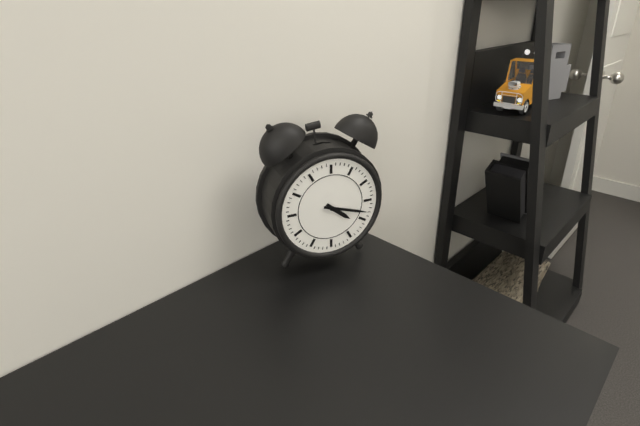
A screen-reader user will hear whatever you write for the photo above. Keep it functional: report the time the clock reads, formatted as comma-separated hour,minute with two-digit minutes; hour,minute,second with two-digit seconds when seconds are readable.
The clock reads 4,18
